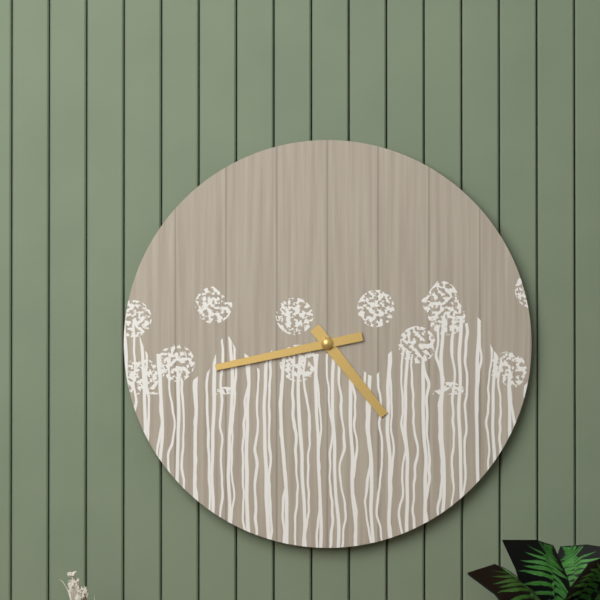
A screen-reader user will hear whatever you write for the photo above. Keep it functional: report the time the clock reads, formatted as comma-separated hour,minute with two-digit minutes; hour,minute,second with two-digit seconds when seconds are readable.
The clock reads 4,43
